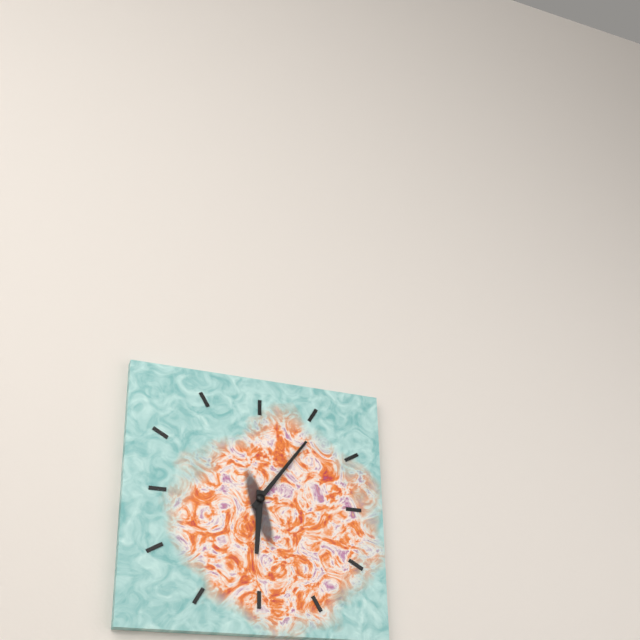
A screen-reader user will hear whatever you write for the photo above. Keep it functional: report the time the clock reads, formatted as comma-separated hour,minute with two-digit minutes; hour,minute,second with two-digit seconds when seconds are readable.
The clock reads 6,06
